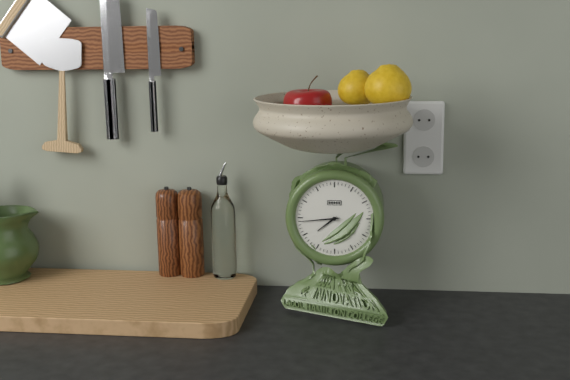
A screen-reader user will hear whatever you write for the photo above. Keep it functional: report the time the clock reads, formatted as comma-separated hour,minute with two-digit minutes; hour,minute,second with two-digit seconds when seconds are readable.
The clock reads 7,44
